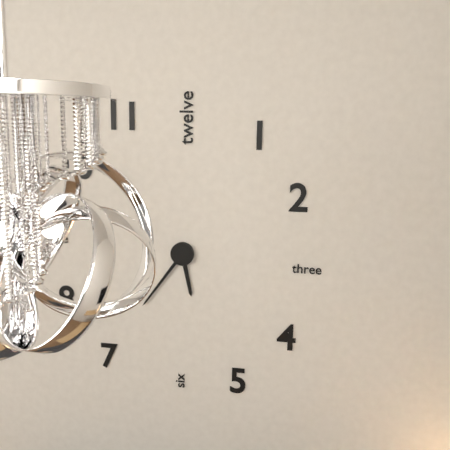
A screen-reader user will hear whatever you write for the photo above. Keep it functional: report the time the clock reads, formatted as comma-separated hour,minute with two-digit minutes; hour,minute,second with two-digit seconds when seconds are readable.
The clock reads 5,36
